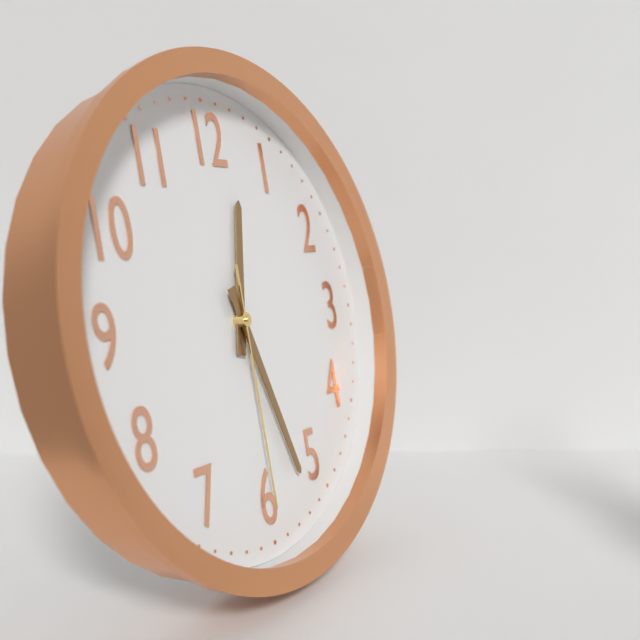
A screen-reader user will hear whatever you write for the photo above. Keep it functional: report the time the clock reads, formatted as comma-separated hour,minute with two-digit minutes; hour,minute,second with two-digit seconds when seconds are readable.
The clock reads 12,27,30
